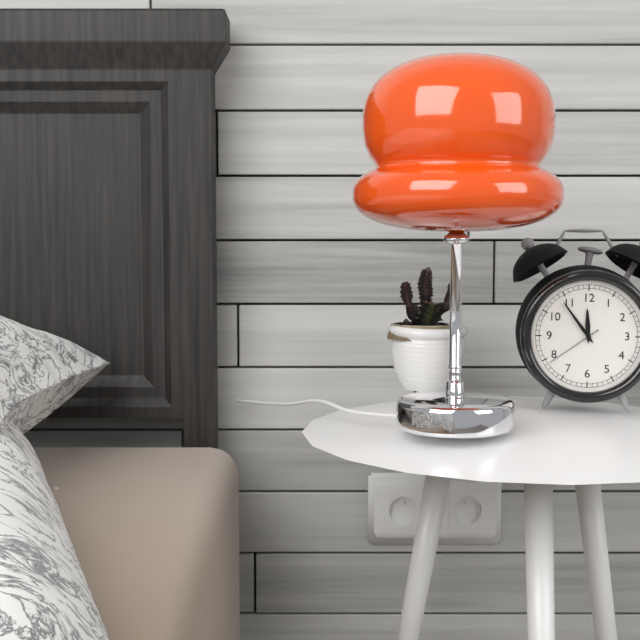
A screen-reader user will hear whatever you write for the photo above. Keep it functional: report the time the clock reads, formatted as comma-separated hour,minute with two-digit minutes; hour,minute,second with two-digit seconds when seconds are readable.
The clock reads 11,54,39
